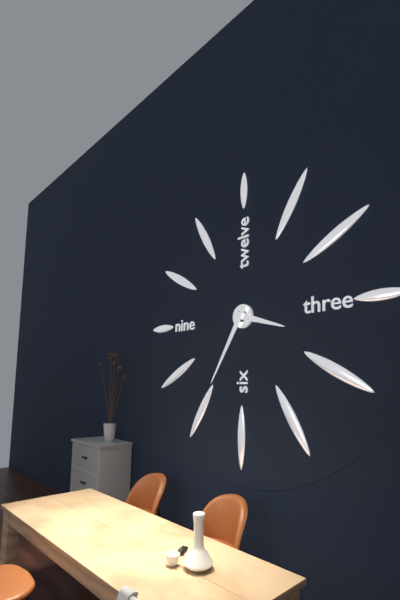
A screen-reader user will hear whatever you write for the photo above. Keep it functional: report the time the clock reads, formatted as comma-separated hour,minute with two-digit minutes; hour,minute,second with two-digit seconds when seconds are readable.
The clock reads 3,35
